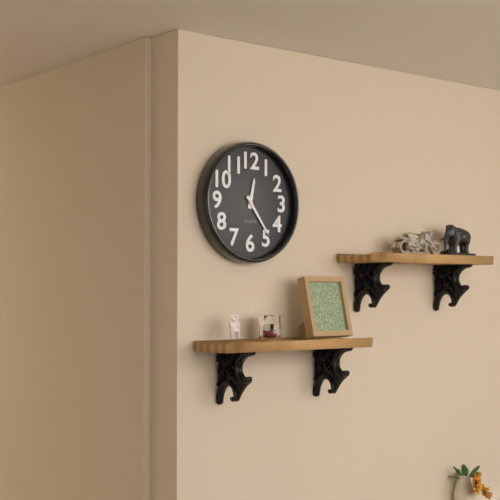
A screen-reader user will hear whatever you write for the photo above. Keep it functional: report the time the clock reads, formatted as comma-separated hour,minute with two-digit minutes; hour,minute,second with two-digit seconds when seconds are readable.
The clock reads 12,24
